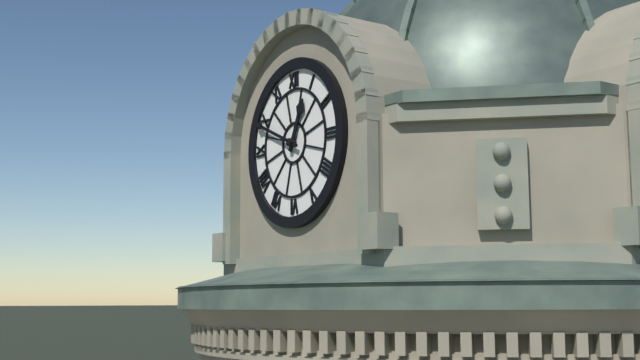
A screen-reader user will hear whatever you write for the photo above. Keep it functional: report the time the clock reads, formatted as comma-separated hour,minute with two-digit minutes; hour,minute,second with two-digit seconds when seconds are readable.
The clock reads 12,49
